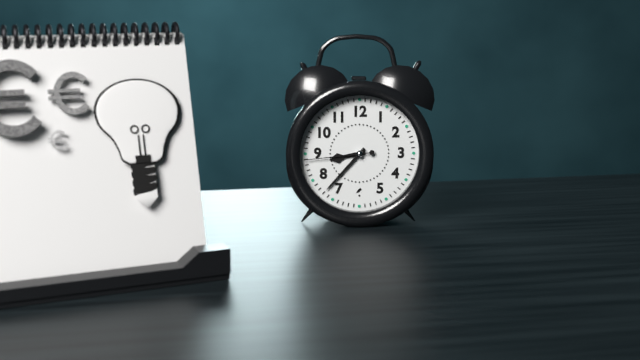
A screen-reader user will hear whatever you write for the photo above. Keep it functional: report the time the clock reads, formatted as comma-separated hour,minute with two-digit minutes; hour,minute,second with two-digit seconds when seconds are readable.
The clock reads 8,37,44
